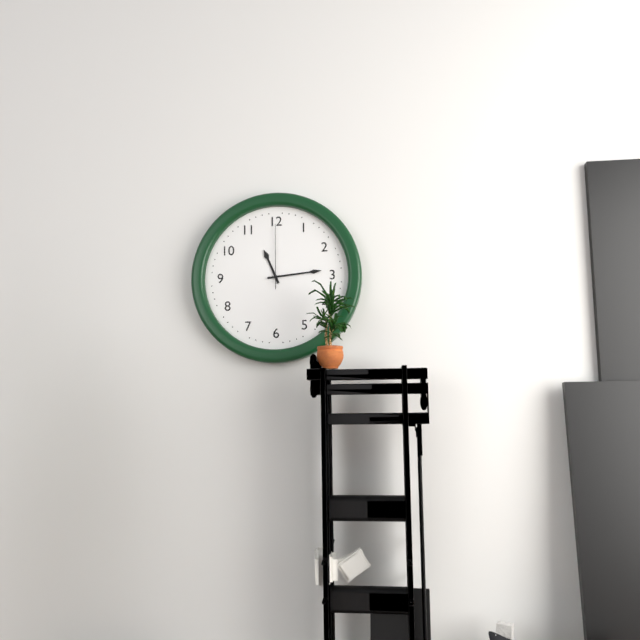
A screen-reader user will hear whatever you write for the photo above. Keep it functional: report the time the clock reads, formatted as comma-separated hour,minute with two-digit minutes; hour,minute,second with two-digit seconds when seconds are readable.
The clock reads 11,14,00
